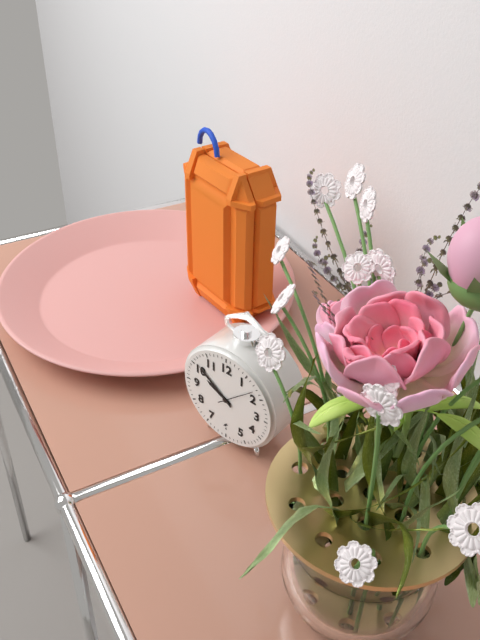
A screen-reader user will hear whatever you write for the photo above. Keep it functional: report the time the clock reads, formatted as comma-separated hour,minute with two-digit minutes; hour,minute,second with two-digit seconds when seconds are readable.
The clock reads 9,51
